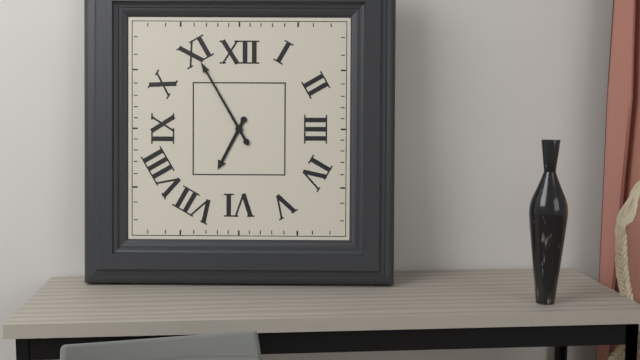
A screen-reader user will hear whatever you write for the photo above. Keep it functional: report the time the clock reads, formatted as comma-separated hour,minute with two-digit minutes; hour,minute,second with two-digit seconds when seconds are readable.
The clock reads 6,55
